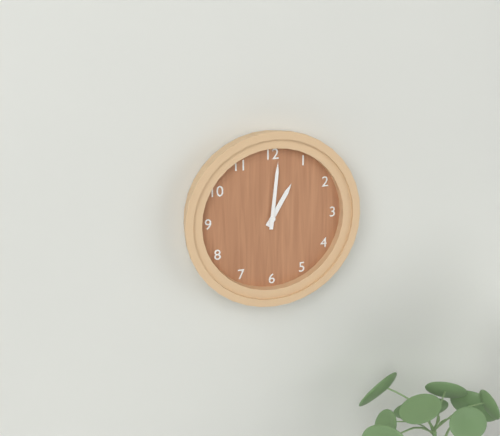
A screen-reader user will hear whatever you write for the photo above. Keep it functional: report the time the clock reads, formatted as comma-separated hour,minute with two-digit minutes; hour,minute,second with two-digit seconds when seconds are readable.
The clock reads 1,01
